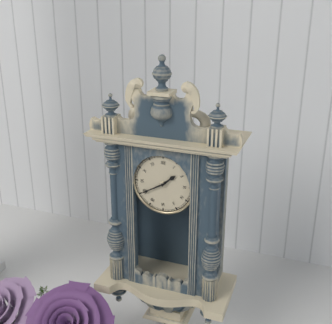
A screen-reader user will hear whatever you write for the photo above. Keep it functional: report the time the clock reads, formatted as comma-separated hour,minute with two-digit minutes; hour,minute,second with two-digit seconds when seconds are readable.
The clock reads 1,40
